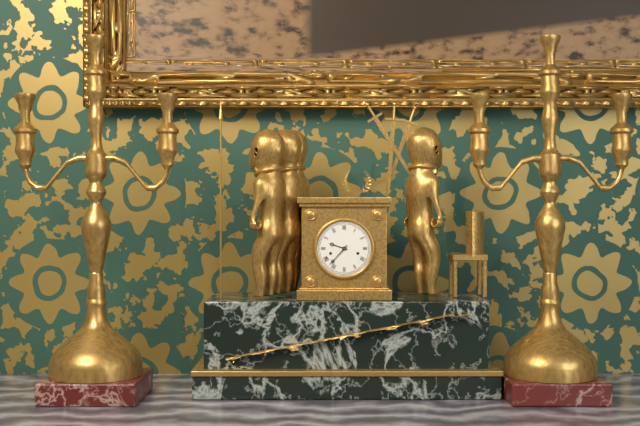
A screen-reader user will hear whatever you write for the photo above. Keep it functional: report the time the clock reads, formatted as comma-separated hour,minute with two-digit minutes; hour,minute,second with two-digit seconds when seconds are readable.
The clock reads 9,37
